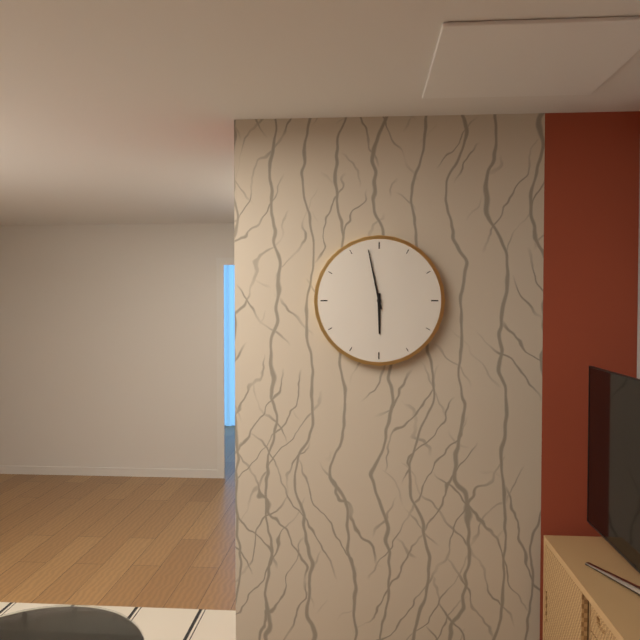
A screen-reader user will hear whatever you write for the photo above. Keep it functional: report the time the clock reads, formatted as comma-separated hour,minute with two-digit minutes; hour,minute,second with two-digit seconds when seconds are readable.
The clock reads 5,58
